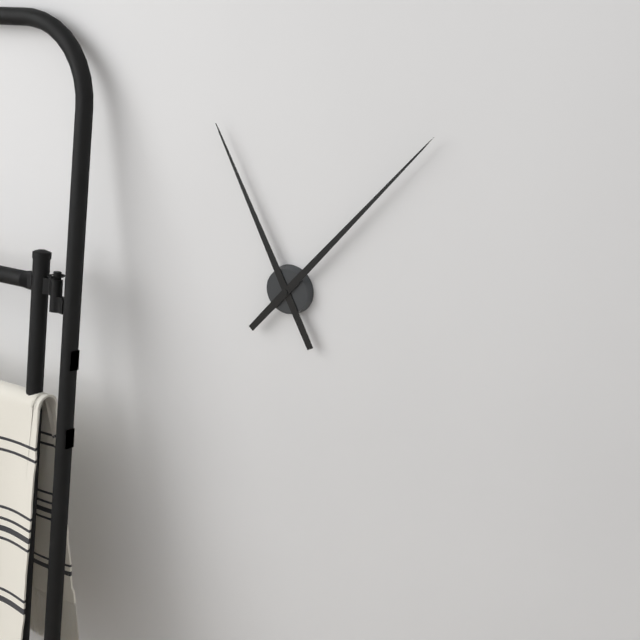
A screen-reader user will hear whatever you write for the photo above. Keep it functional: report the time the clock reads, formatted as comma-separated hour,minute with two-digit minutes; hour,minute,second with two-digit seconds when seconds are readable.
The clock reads 11,07
